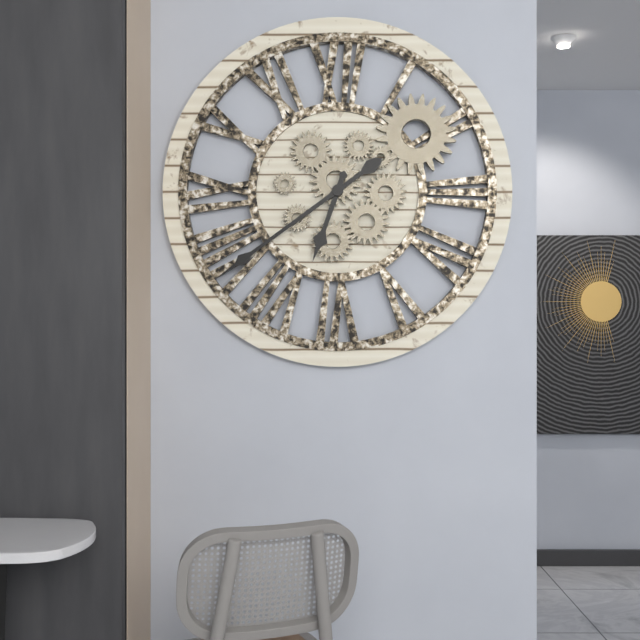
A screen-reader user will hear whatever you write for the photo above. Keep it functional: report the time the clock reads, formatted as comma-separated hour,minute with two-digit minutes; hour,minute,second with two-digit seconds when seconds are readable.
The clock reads 6,39
